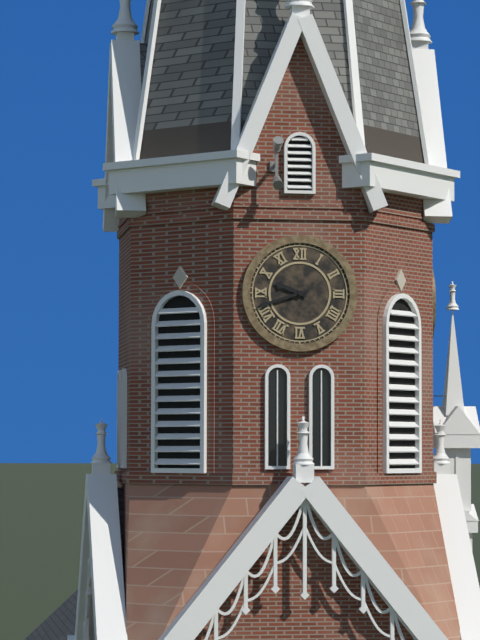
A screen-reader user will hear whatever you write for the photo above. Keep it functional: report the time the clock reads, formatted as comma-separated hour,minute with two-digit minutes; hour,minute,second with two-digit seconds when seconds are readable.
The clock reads 9,42
